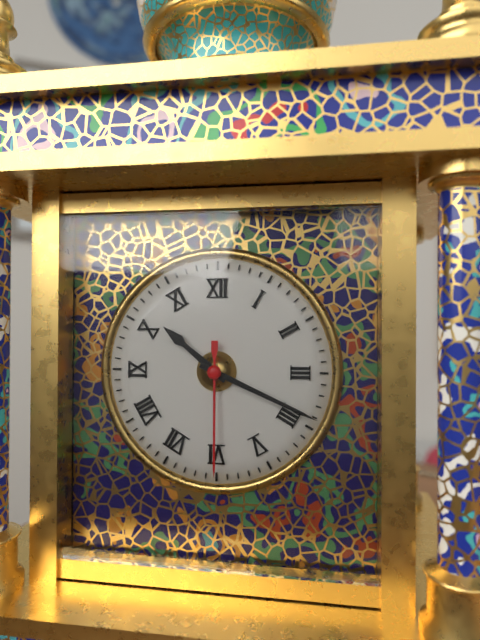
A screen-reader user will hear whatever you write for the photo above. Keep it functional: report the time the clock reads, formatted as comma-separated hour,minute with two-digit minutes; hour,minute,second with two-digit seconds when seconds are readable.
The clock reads 10,19,30
